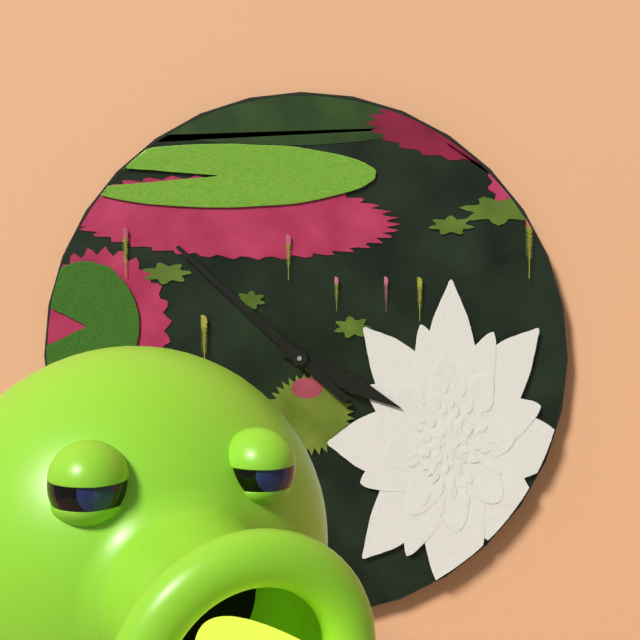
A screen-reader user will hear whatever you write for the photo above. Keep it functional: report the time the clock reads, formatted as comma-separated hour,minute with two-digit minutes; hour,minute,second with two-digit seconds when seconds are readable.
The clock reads 3,52
